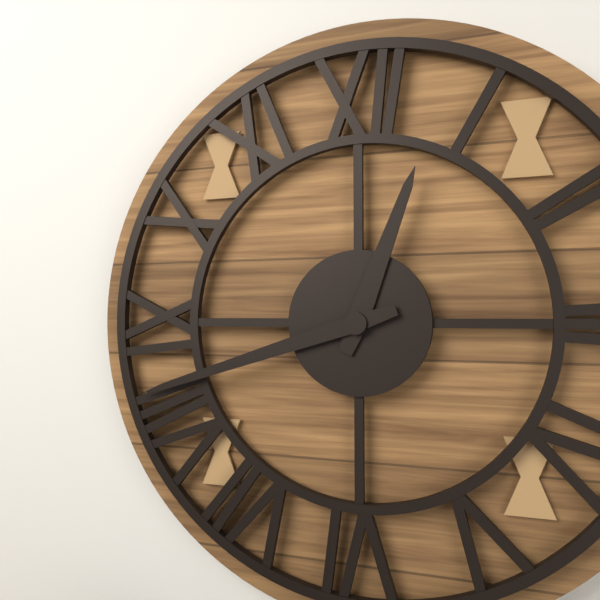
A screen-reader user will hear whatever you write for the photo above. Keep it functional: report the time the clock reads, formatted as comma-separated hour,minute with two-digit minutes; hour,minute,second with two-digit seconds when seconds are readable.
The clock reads 12,42
